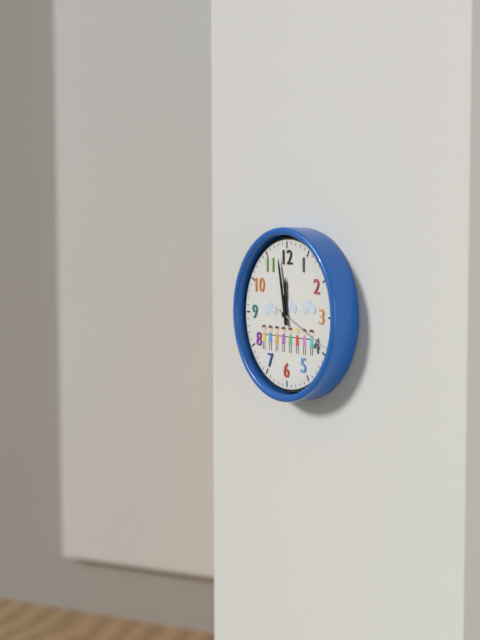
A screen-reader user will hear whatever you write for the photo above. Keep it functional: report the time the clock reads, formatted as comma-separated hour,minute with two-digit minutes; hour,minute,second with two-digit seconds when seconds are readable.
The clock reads 11,58,19
